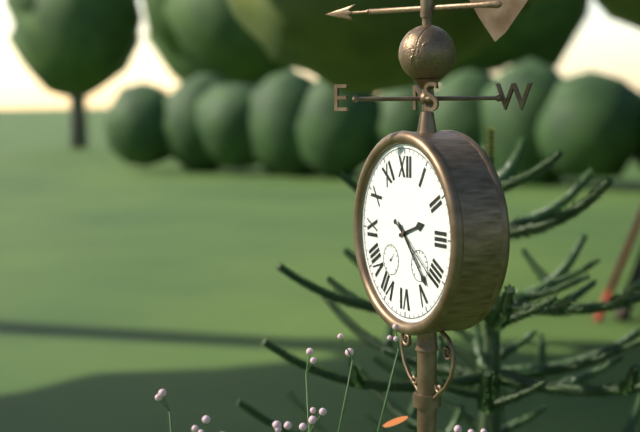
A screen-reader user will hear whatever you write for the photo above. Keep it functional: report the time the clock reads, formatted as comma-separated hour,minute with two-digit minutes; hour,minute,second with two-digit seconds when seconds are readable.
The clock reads 2,23,21
